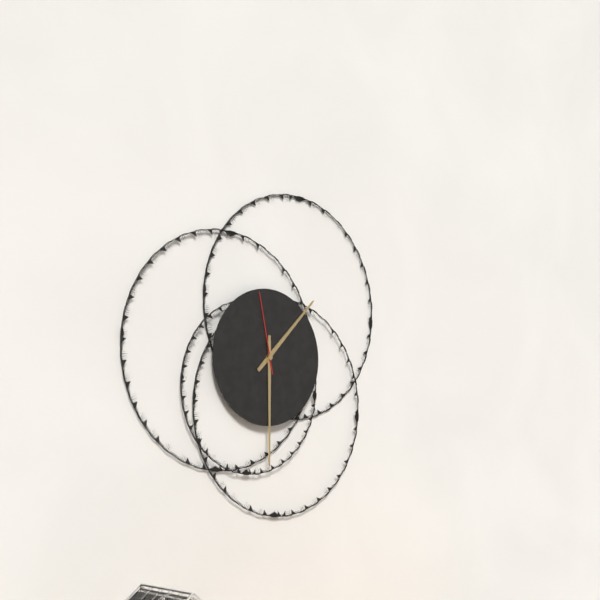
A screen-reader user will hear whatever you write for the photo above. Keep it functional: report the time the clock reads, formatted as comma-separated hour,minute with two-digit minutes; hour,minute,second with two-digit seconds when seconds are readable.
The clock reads 1,30,58
